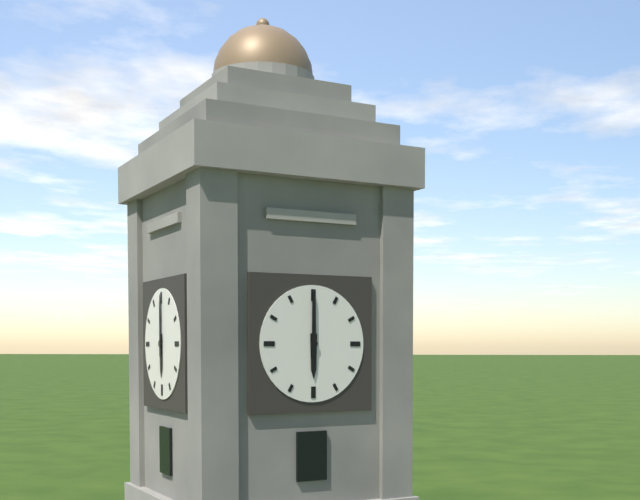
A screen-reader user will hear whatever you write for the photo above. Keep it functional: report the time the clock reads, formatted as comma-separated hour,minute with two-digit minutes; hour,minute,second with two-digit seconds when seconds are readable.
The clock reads 6,00
